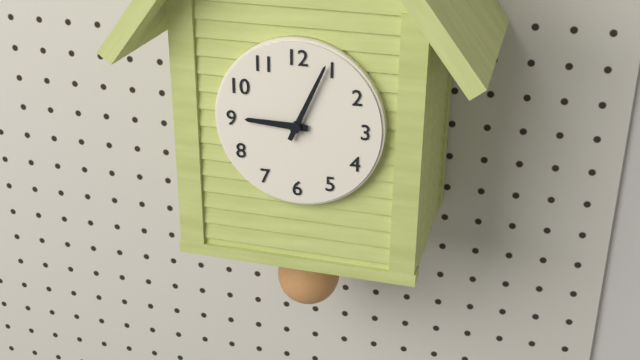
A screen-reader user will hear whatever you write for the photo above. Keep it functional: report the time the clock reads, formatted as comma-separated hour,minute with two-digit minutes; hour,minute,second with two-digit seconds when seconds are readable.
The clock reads 9,04
